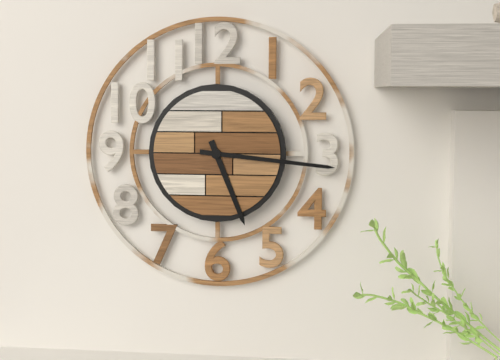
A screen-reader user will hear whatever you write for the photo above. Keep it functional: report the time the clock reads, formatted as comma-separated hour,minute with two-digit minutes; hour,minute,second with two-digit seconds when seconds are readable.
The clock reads 5,16
